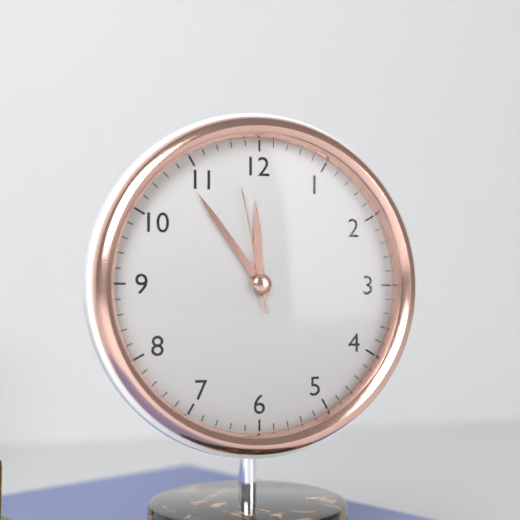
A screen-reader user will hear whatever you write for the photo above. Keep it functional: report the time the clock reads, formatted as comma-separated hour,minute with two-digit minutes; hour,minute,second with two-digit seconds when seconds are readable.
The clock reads 11,54,58
